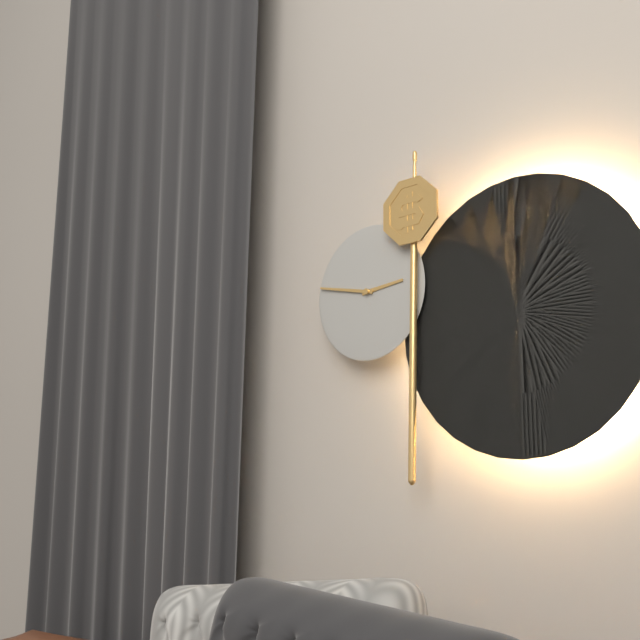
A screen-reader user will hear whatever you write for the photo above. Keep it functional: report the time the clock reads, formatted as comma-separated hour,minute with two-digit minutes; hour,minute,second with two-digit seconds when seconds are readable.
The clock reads 2,47
